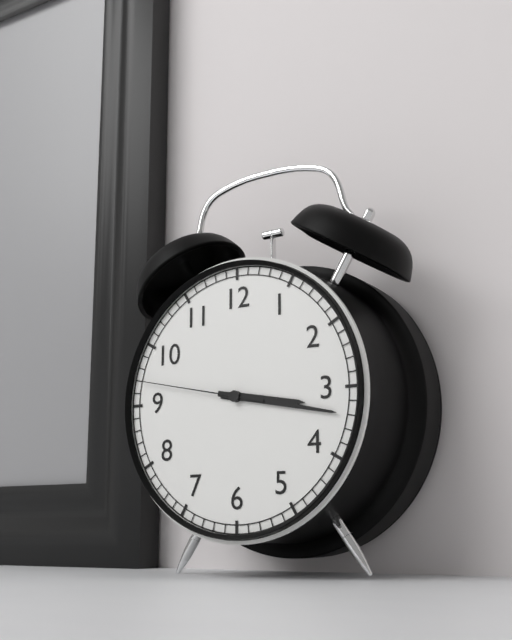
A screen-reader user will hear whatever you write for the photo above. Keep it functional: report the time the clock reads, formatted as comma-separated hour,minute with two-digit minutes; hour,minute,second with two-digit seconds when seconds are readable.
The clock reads 3,17,47
